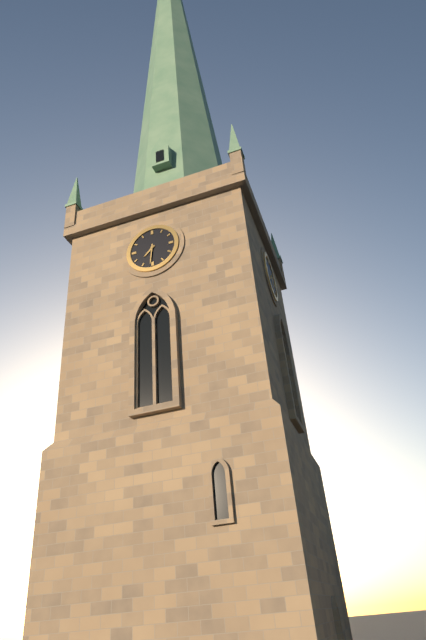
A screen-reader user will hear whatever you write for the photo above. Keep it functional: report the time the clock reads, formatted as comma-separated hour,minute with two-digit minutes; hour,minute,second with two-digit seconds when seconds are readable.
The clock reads 7,31
